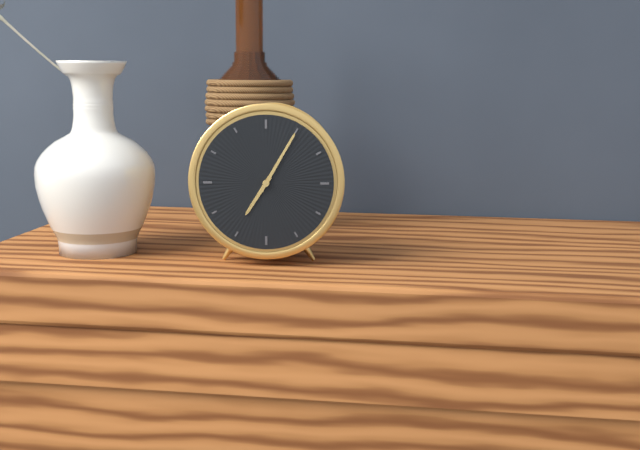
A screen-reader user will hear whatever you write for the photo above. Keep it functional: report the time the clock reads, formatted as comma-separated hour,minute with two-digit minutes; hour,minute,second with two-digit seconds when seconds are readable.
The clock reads 7,05
